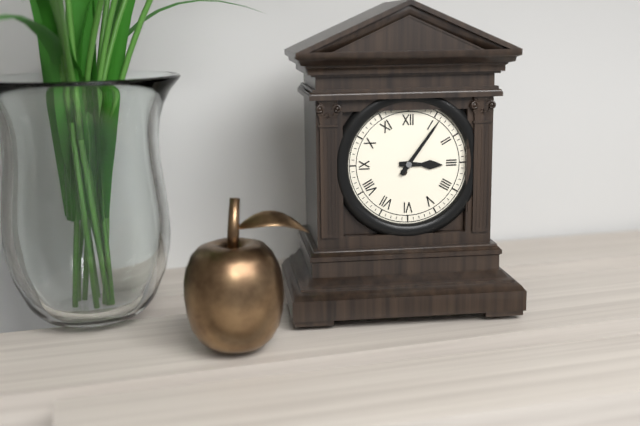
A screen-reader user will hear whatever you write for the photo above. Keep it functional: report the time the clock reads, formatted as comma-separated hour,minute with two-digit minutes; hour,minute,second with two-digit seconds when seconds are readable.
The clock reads 3,06
